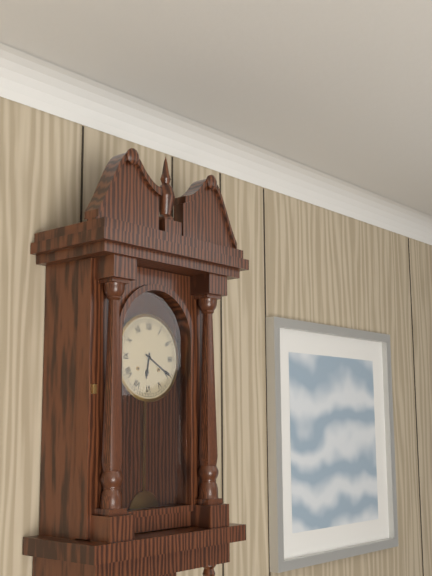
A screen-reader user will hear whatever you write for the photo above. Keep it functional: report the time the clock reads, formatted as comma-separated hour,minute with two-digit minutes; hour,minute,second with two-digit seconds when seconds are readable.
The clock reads 6,20
